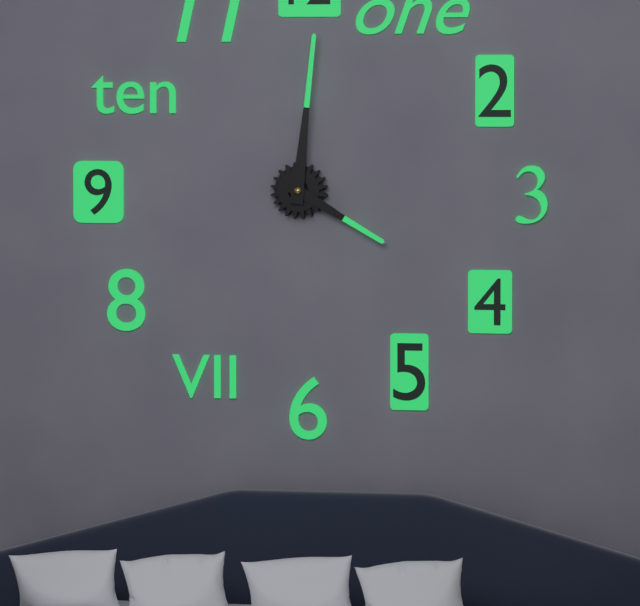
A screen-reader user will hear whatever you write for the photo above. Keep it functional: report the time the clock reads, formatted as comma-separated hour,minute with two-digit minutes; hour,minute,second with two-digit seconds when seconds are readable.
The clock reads 4,01
